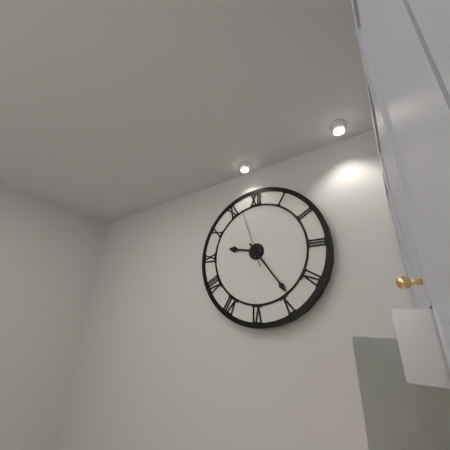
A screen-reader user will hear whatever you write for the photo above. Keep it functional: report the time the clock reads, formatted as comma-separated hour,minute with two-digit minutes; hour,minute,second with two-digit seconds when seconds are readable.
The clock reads 9,24,57
